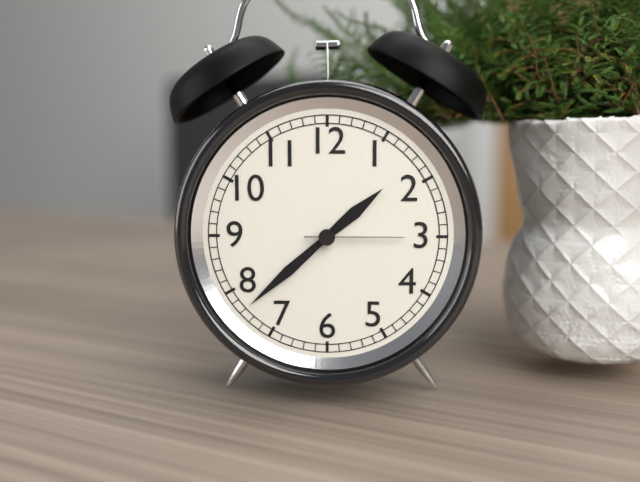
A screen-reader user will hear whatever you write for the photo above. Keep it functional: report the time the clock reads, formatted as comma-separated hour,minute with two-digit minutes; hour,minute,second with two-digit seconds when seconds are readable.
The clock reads 1,38,15
